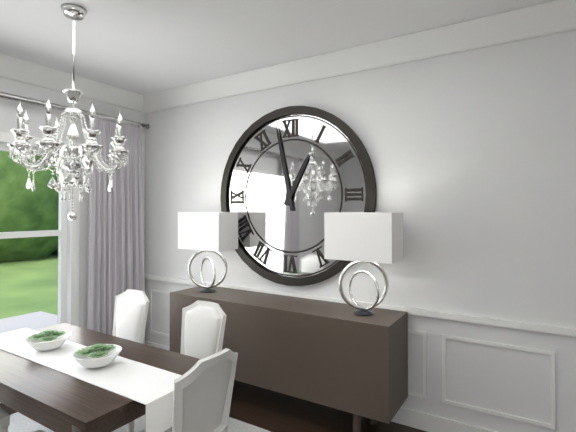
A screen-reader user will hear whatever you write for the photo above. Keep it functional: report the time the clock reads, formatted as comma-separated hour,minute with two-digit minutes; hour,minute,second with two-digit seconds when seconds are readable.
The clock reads 12,58
